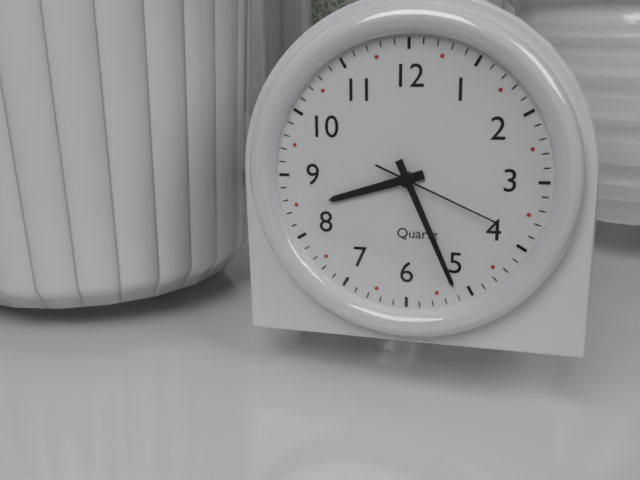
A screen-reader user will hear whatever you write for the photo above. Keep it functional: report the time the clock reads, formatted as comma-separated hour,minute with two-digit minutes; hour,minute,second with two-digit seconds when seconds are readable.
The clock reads 8,26,19
